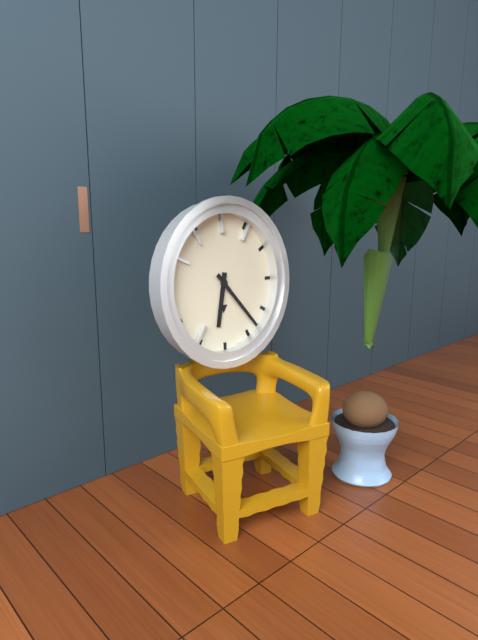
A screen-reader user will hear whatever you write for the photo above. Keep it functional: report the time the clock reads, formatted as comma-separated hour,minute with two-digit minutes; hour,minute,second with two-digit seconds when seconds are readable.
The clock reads 6,23
